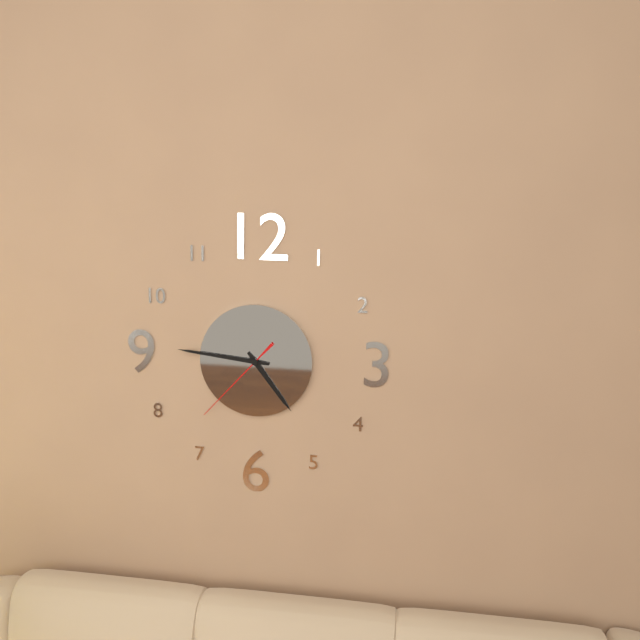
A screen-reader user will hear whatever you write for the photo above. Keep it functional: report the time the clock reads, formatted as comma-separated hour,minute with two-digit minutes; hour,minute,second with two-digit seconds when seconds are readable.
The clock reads 4,46,37
